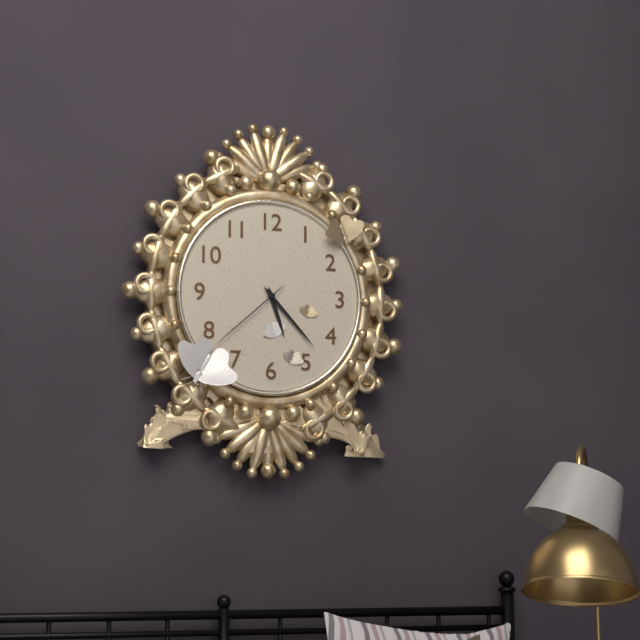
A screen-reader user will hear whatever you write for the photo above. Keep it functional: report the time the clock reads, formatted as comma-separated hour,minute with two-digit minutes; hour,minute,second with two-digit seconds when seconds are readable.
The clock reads 5,23,38
